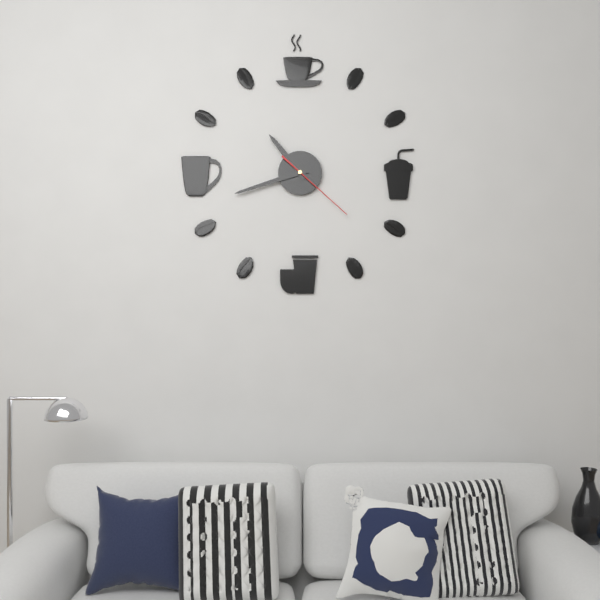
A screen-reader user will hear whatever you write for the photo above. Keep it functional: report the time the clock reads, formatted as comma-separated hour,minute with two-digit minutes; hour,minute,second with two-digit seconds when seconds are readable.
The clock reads 10,42,22
